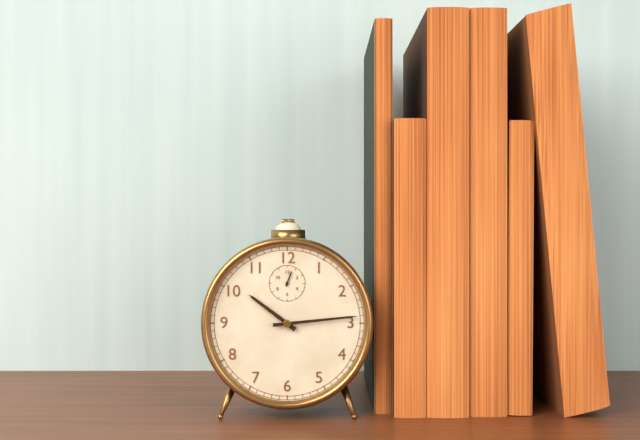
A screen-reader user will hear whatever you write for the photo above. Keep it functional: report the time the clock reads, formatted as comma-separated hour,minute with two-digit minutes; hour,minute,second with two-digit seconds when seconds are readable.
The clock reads 10,14
